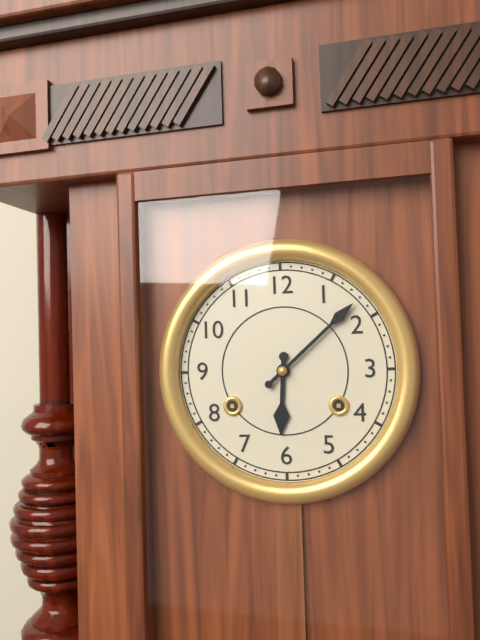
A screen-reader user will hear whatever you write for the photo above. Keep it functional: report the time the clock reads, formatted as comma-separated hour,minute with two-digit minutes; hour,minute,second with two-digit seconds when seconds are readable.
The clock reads 6,08
